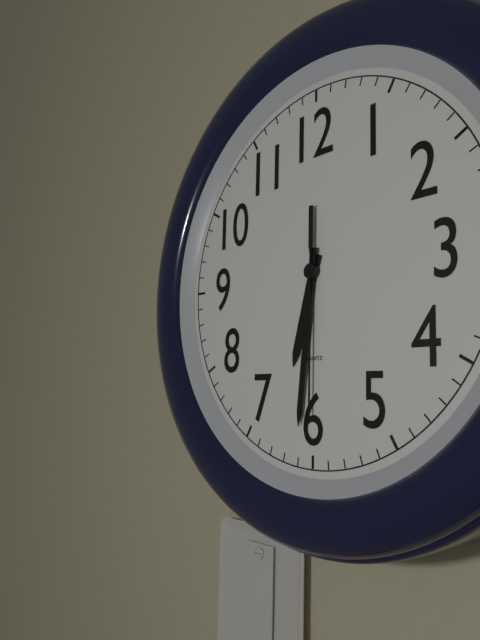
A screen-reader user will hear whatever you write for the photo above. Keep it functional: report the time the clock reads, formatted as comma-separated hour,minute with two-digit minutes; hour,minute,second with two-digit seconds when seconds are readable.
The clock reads 6,31,30
